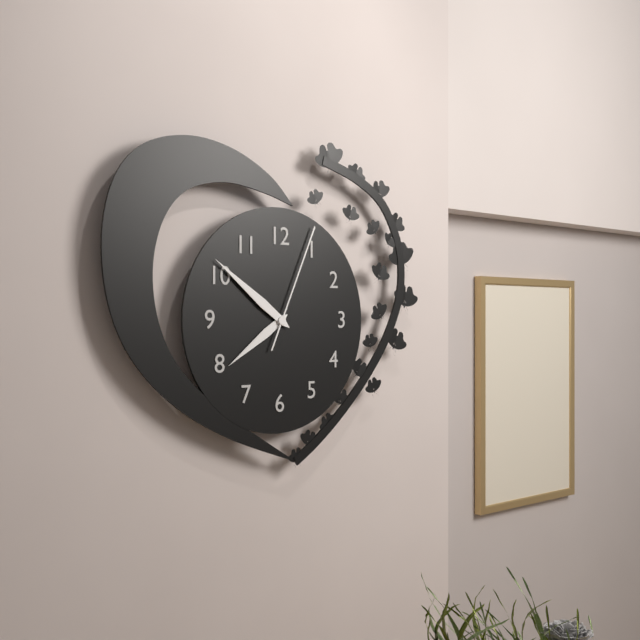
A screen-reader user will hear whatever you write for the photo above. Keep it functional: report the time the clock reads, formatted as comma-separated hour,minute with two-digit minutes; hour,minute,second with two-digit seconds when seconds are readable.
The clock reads 7,51,04
